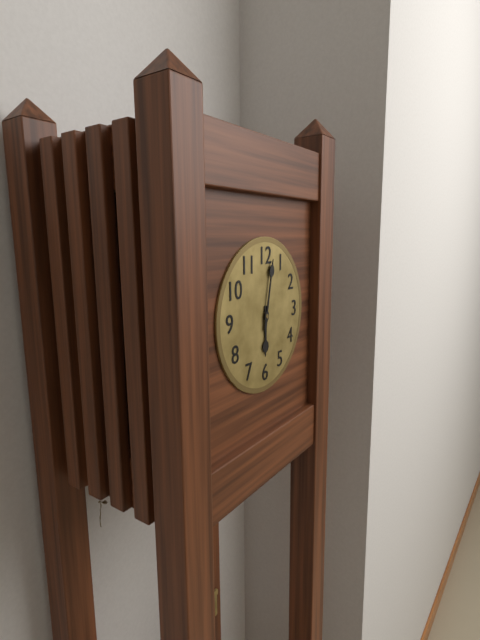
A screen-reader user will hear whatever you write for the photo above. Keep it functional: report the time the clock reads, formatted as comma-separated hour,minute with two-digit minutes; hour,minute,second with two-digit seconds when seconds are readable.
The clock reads 6,02
